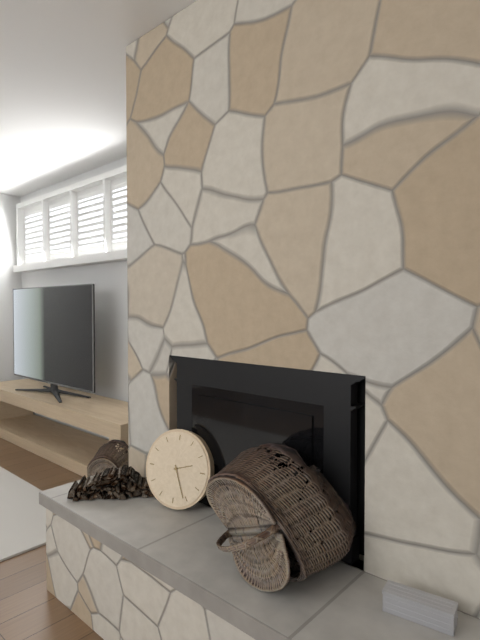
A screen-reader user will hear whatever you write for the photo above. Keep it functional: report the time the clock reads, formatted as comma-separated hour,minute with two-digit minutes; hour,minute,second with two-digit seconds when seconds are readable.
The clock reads 2,26
